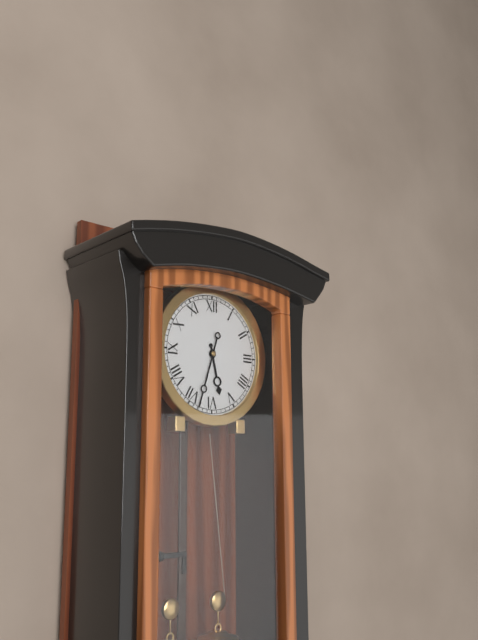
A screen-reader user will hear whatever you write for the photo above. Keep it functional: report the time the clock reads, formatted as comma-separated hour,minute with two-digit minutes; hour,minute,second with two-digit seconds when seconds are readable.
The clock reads 5,33
